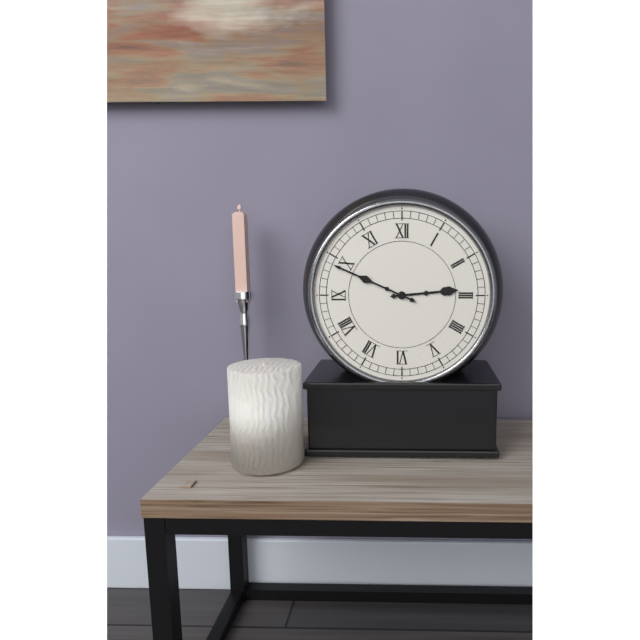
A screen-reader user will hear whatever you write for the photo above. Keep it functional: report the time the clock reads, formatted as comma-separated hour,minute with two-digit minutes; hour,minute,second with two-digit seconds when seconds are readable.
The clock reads 2,49
